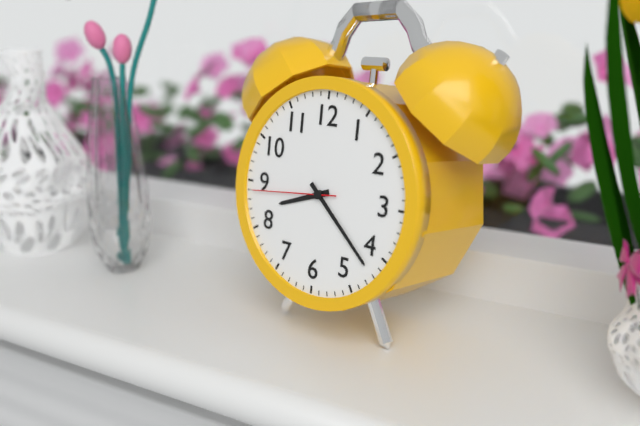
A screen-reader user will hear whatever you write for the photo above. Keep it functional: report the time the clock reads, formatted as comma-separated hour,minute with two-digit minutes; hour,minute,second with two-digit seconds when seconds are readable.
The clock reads 8,22,44
